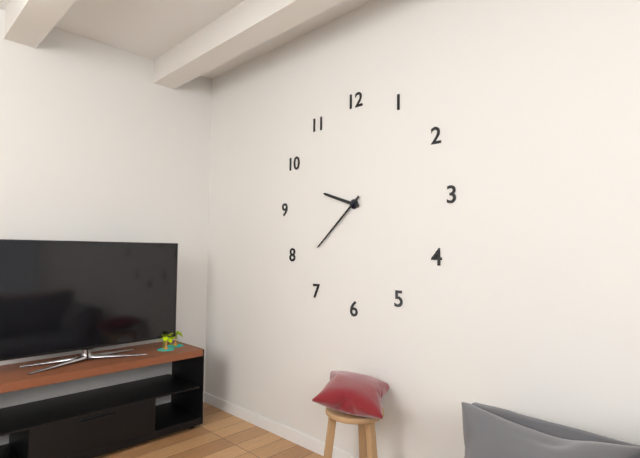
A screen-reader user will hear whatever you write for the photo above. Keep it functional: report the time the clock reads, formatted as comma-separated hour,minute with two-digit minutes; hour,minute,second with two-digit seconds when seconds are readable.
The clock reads 9,38
